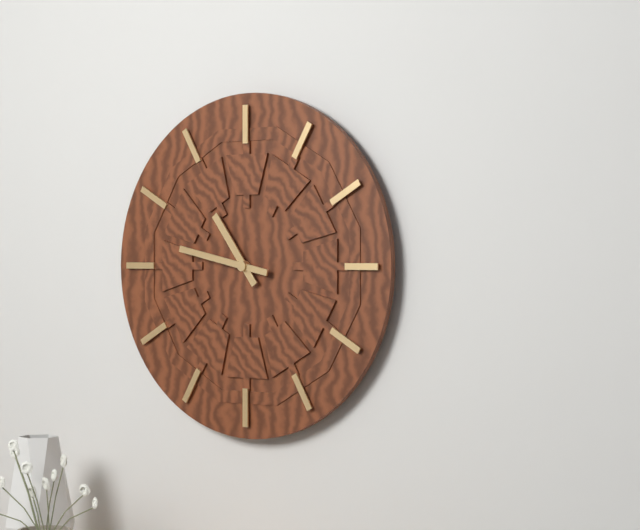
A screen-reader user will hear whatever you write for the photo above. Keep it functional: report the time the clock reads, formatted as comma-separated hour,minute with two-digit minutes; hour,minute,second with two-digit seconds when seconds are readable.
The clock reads 10,47
